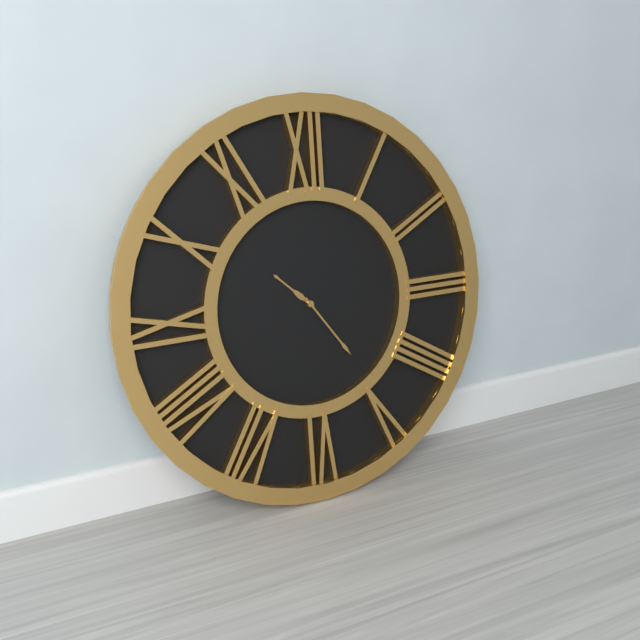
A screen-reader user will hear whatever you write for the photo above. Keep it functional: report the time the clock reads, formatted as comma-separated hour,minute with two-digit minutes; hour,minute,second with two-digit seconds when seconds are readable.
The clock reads 10,24
